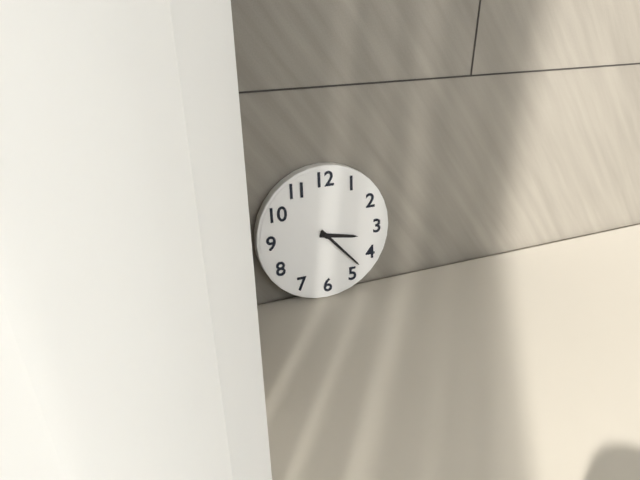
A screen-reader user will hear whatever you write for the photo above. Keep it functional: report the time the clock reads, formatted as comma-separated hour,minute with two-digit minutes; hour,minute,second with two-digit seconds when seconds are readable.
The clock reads 3,23
